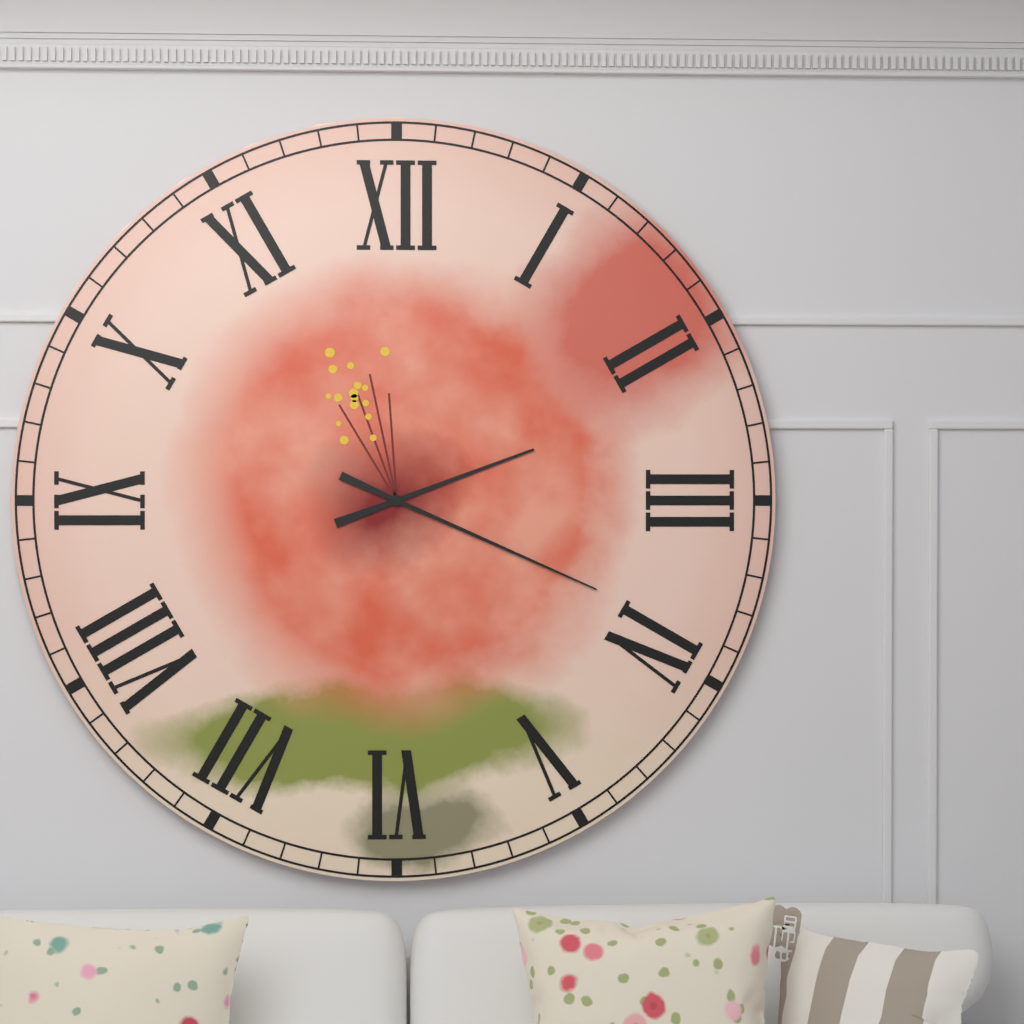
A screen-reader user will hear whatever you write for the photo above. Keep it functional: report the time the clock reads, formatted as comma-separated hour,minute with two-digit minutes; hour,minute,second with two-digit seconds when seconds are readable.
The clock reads 2,19
